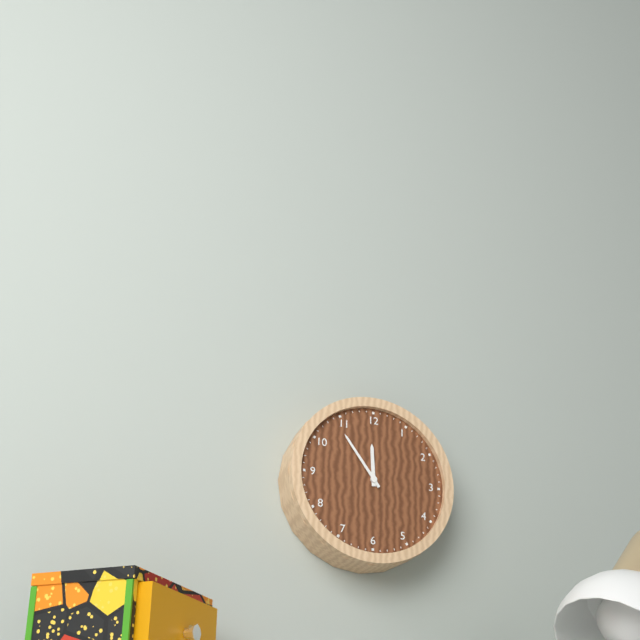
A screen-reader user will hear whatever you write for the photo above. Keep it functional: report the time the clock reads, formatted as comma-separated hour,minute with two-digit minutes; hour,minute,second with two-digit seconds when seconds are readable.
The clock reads 11,54
